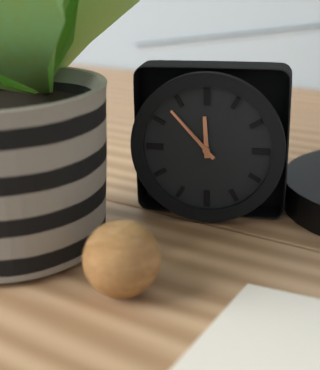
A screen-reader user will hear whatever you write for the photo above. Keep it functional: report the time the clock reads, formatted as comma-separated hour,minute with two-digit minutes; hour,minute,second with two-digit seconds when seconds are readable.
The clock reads 11,53
